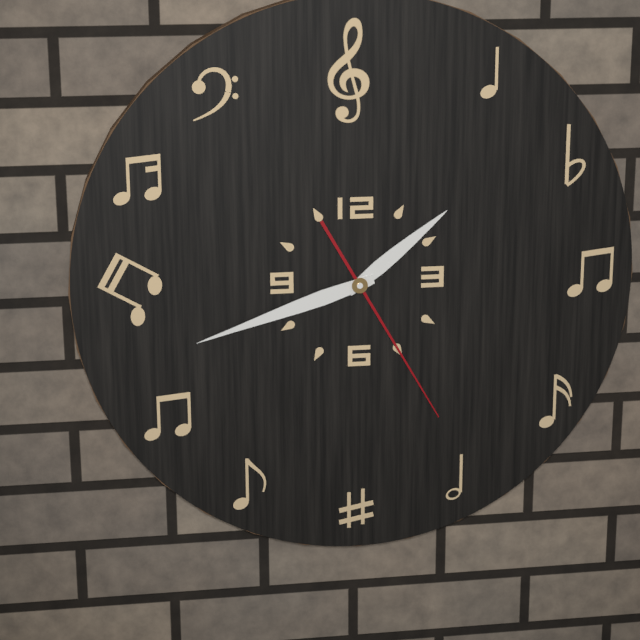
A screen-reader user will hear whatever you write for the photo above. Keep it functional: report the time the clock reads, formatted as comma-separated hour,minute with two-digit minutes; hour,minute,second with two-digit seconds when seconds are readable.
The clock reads 1,42,25
